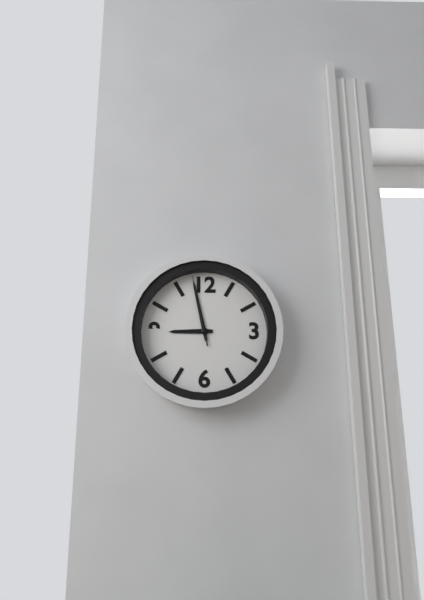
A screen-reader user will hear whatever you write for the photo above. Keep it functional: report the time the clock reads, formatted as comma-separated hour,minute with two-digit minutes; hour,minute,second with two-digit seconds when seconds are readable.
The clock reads 8,58,58
